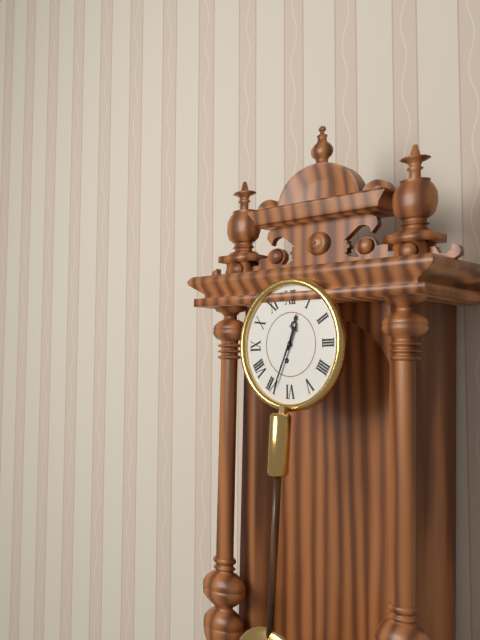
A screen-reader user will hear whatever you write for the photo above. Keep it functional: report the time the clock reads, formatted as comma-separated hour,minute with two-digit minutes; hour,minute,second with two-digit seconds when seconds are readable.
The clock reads 12,34
